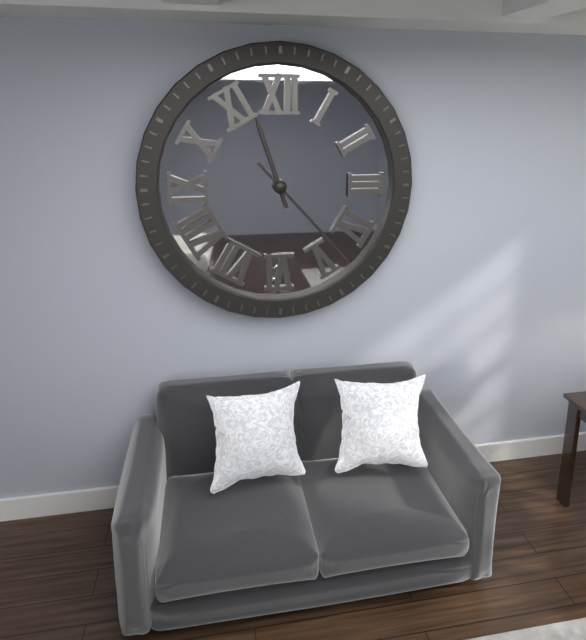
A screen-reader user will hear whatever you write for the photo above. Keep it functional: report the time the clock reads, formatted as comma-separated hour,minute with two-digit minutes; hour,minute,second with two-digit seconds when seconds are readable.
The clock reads 11,23
